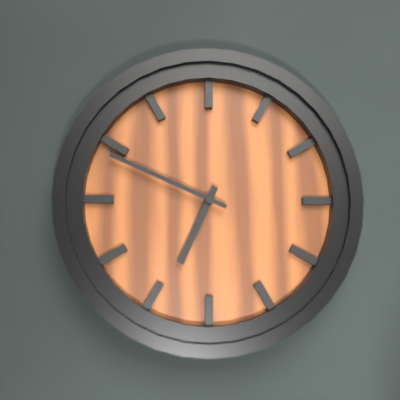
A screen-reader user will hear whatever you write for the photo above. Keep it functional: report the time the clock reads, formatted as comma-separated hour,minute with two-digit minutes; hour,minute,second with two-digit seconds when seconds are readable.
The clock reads 6,49
